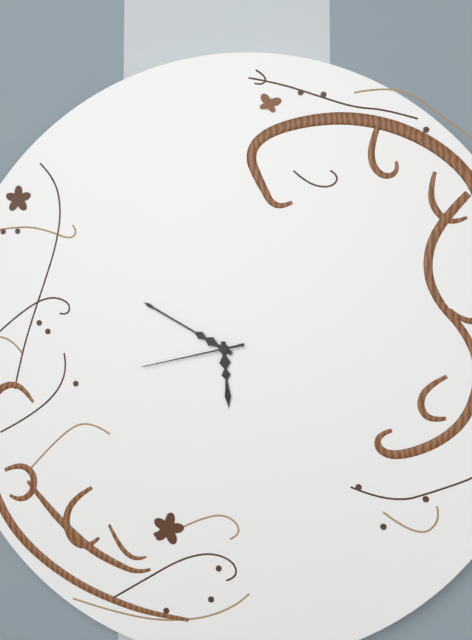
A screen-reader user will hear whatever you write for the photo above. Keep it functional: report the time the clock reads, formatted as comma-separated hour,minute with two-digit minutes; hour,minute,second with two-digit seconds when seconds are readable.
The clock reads 5,50,43
